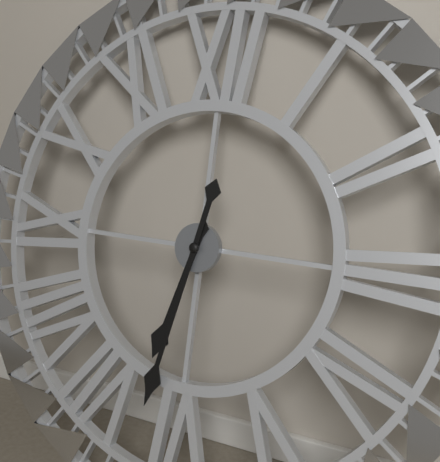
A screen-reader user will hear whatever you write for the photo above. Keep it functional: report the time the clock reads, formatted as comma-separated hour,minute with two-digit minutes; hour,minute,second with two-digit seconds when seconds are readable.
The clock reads 6,32
